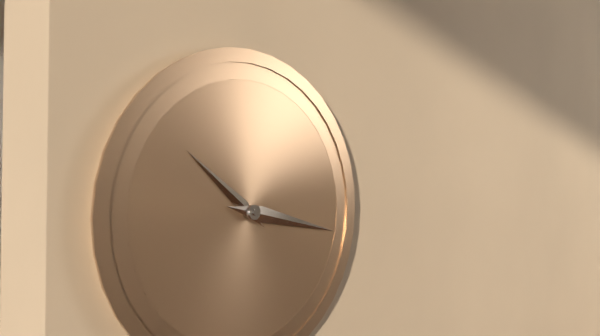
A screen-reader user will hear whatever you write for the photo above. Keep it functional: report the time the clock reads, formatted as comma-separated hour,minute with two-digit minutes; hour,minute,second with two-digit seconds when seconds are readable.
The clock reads 10,17
